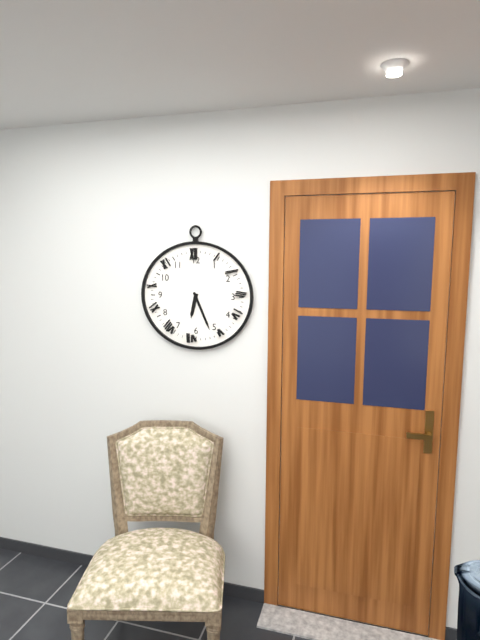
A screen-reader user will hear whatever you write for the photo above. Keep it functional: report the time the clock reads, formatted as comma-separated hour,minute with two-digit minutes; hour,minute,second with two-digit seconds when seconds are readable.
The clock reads 6,26
